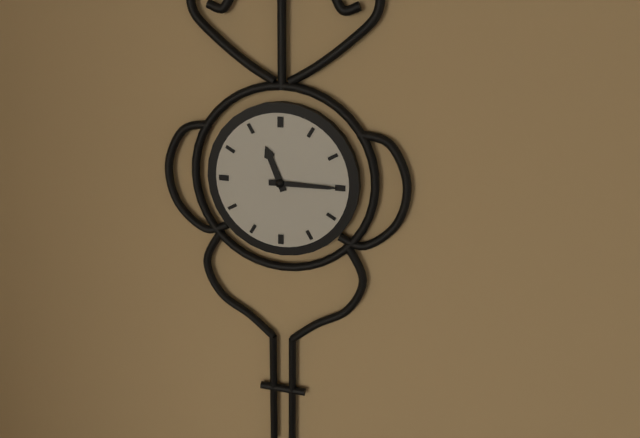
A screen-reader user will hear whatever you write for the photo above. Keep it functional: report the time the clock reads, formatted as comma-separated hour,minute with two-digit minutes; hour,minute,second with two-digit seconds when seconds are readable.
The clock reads 11,15
